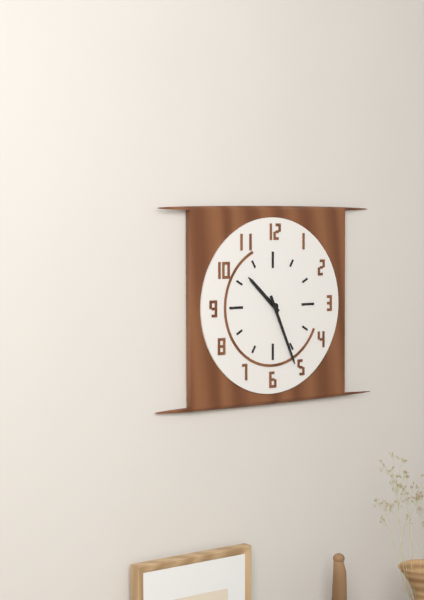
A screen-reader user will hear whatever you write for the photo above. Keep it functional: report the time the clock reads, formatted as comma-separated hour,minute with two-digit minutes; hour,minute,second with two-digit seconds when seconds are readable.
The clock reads 10,26
